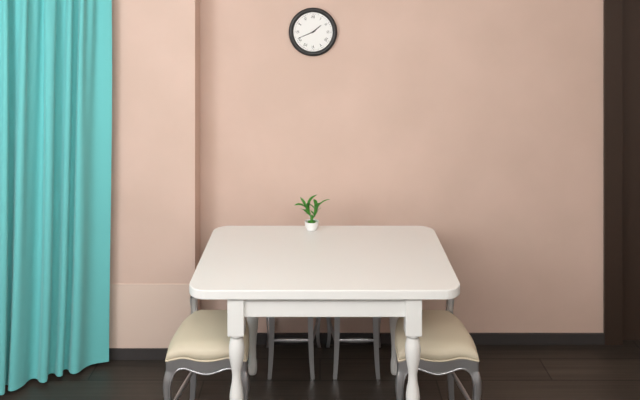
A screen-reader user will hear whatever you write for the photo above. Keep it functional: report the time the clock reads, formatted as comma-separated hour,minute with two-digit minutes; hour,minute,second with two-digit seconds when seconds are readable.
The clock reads 1,41
